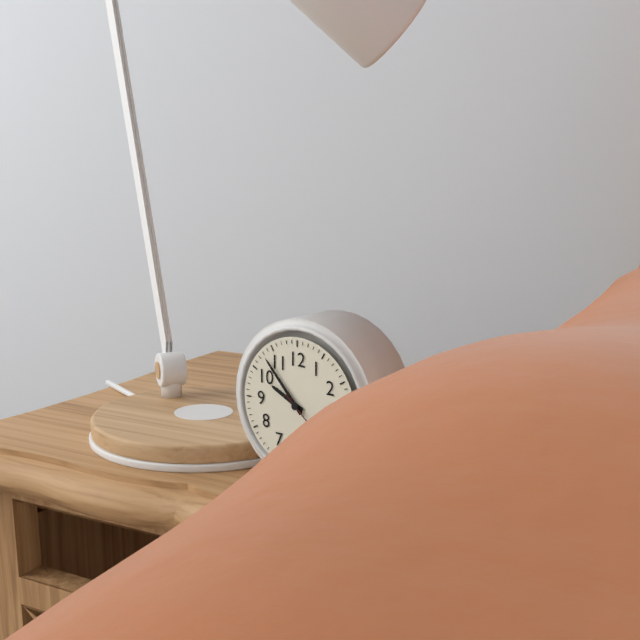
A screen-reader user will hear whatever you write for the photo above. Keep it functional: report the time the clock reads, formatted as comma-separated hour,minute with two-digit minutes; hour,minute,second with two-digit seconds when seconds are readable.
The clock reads 9,53
